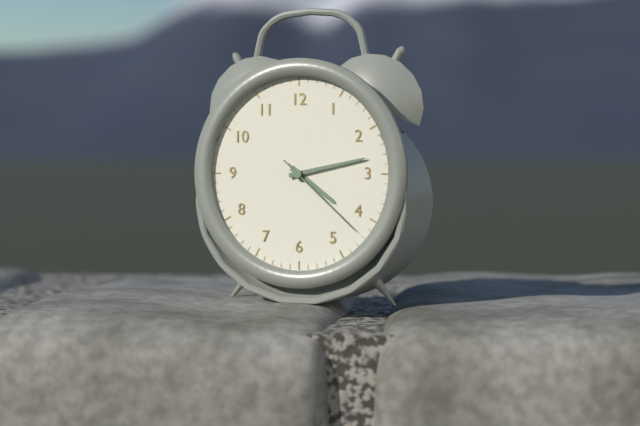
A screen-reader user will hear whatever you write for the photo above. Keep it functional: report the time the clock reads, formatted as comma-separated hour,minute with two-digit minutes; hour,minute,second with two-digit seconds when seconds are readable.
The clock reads 4,13,22
